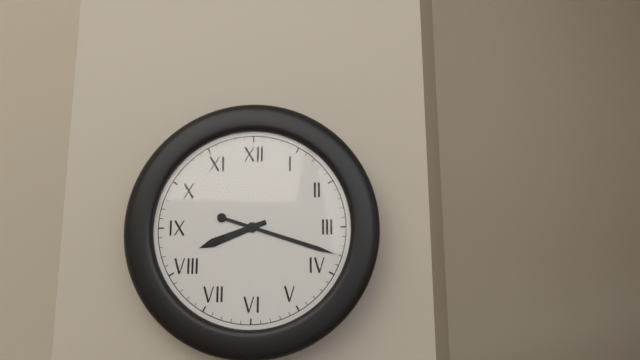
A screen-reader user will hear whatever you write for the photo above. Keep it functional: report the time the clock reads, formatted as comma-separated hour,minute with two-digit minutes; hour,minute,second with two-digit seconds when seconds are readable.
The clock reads 8,18
